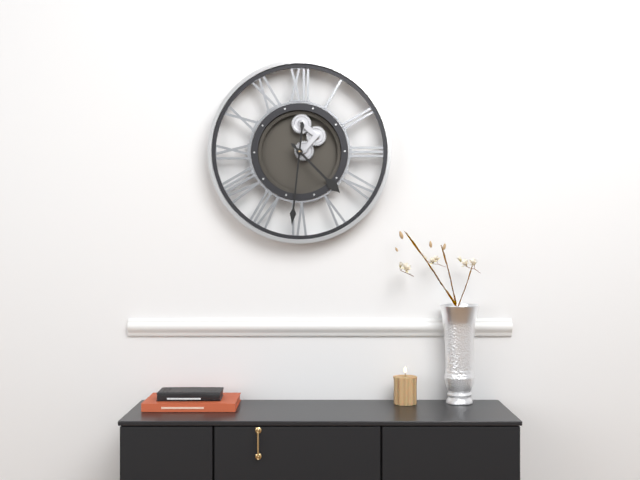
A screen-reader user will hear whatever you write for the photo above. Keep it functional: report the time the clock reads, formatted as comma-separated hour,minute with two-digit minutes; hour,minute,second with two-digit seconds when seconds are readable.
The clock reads 4,31
